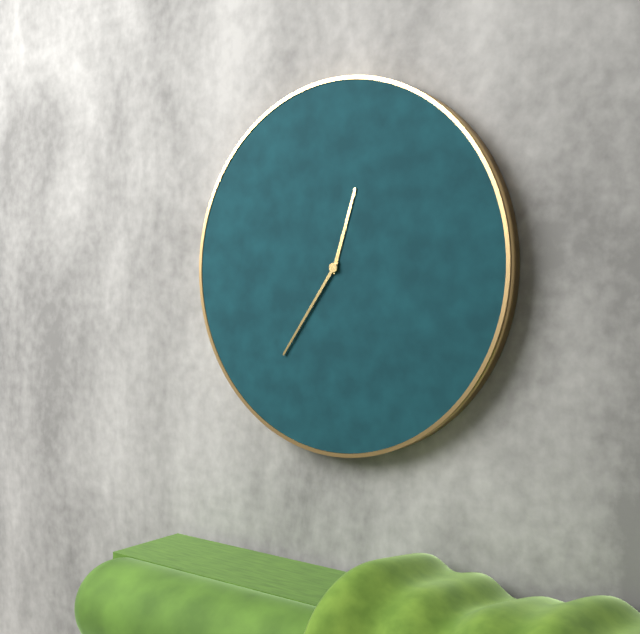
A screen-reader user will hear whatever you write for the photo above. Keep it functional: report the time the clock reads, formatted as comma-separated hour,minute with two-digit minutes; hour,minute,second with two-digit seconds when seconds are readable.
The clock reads 12,36
